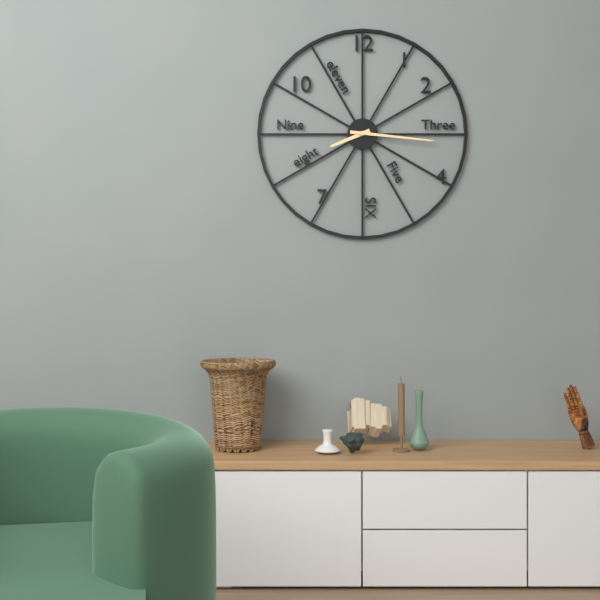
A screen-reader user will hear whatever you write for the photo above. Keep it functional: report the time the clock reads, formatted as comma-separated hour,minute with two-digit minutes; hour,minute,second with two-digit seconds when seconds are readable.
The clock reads 8,16
